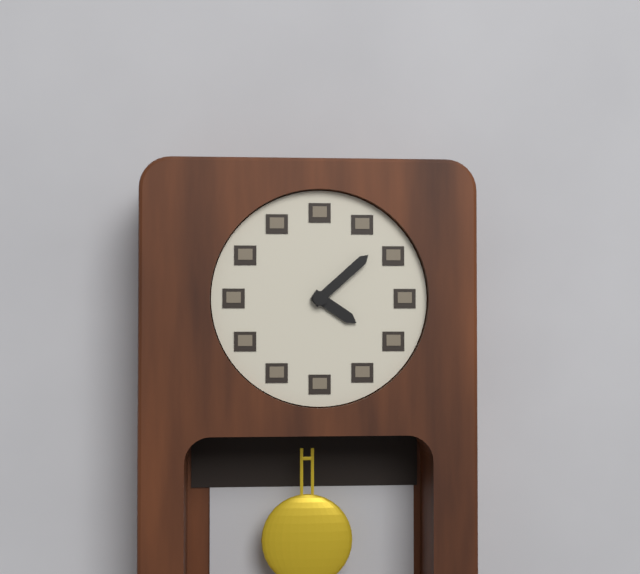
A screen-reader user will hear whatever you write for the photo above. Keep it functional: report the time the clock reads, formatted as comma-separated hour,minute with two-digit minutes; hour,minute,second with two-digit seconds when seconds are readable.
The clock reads 4,08
